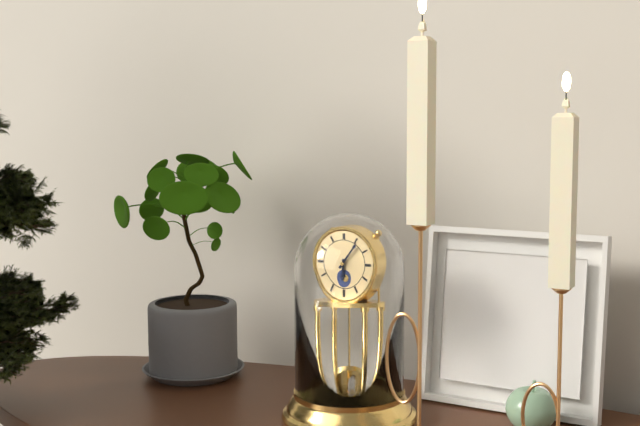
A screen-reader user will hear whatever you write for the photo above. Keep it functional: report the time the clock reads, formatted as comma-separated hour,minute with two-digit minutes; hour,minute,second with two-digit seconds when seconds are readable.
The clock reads 6,06
